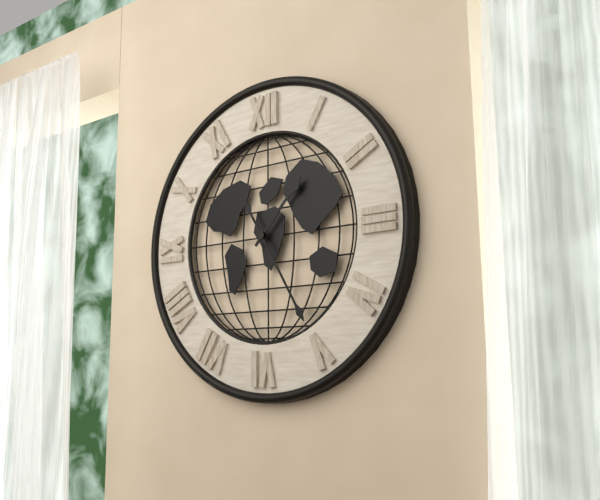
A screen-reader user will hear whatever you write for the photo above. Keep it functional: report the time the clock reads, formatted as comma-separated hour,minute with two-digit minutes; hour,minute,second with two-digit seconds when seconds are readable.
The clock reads 1,25
